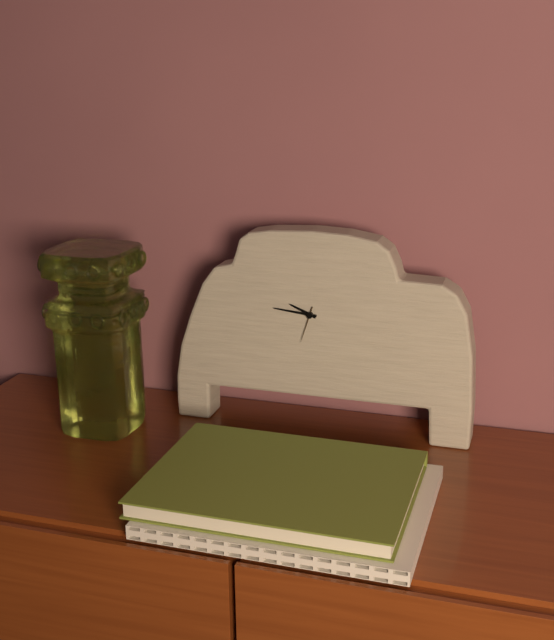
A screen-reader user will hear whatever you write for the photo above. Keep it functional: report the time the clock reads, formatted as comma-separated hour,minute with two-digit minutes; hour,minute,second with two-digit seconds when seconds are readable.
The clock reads 9,46
